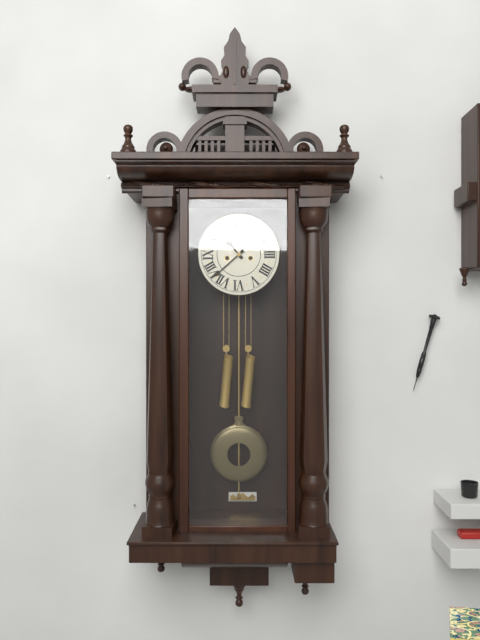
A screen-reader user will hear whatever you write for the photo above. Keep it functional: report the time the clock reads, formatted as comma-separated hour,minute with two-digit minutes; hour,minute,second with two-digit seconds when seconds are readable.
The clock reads 10,38
